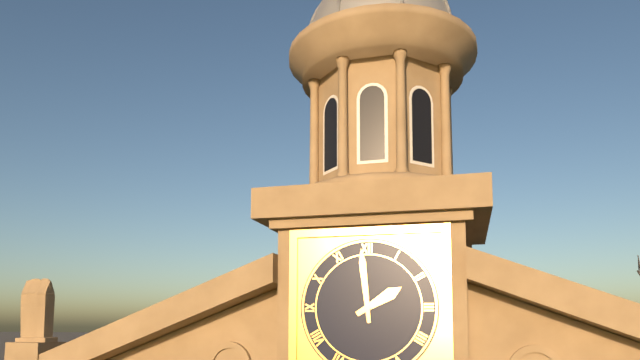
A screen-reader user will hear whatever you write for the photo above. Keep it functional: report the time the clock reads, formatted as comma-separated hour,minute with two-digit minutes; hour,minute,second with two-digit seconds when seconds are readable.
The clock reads 1,59
